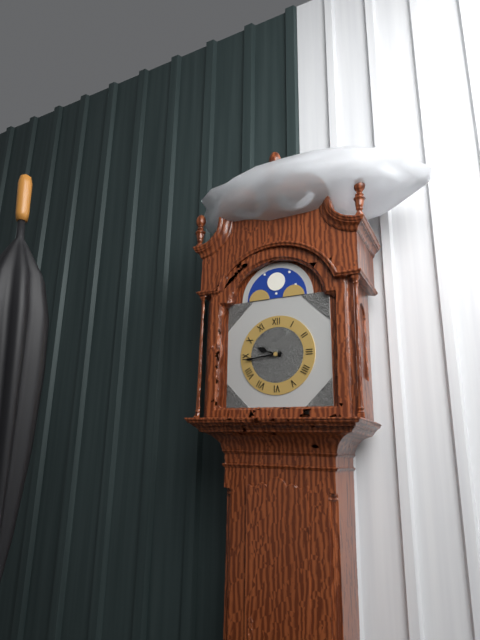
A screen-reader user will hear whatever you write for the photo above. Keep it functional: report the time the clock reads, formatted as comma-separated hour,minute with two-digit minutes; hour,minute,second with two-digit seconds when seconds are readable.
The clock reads 9,44
